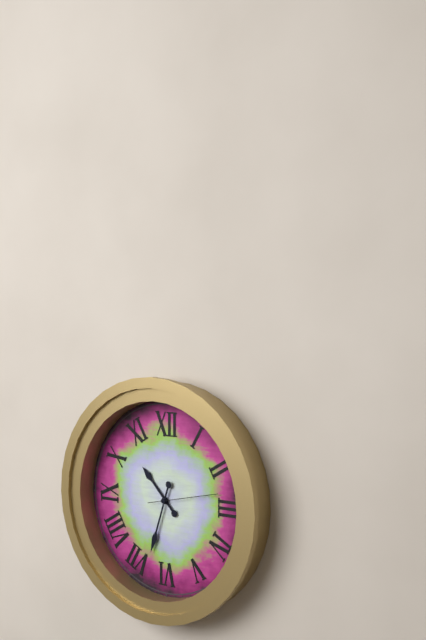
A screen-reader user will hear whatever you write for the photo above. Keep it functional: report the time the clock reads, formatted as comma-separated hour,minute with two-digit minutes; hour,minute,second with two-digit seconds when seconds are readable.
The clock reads 10,33,13
